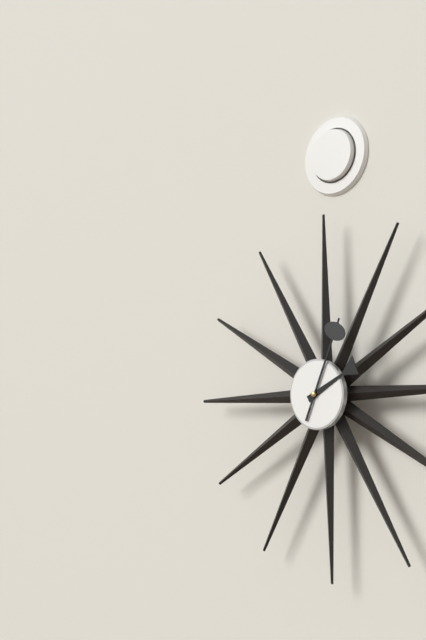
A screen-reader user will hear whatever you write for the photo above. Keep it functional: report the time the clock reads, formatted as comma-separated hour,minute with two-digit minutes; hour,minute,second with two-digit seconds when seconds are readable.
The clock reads 2,04
